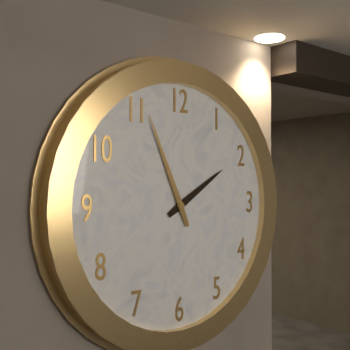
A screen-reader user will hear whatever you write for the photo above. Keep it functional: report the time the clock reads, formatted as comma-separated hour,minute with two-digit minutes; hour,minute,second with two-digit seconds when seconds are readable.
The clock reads 1,56
